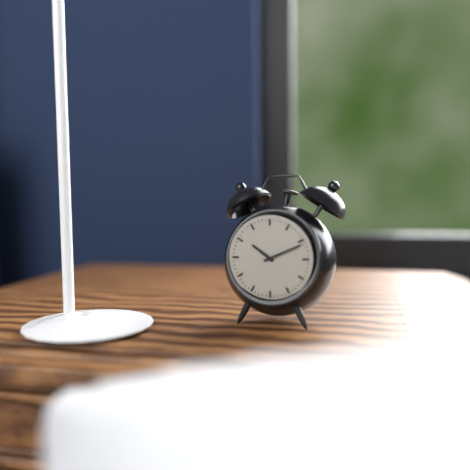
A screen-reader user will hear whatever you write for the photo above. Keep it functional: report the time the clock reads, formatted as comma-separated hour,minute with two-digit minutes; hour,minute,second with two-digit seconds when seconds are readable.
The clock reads 10,11
